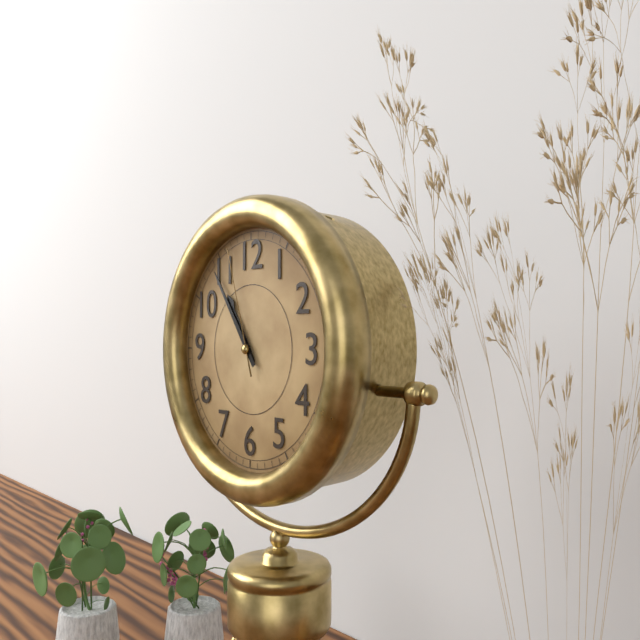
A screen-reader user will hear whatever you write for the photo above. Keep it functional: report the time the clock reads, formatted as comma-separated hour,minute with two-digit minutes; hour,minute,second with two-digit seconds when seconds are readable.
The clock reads 10,54,57
